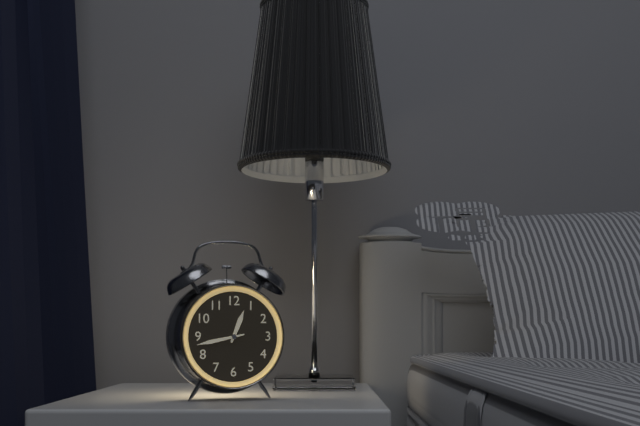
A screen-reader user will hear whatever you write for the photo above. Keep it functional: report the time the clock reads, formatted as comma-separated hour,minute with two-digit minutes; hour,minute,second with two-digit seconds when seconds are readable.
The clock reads 12,43
